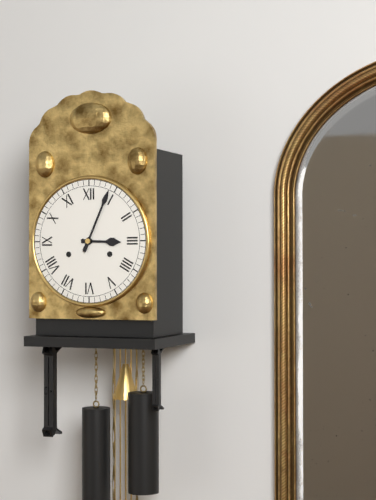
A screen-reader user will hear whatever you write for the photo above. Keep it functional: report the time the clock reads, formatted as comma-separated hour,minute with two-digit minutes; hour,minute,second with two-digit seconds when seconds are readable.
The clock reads 3,04
